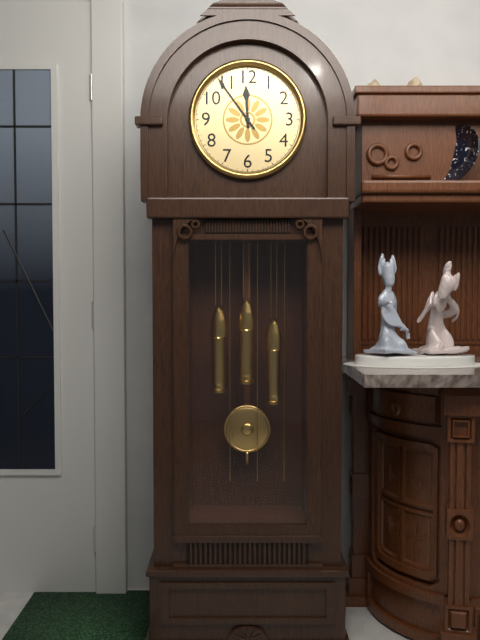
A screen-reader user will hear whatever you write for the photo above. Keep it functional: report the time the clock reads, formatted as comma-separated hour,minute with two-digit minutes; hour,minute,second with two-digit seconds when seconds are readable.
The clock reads 11,54
